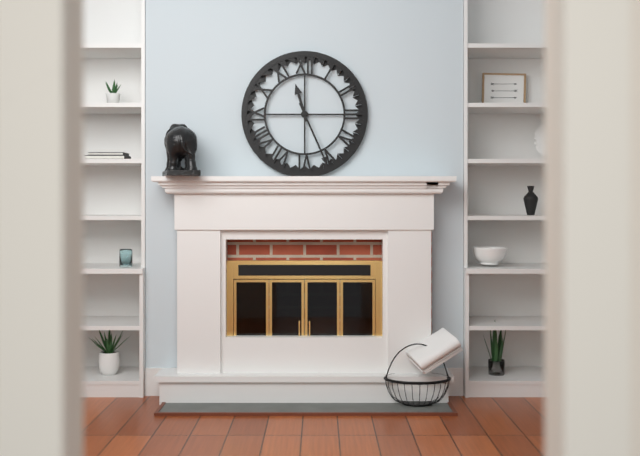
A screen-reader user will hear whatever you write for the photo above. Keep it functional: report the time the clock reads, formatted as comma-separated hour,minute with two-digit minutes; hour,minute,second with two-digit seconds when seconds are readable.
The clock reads 11,26
